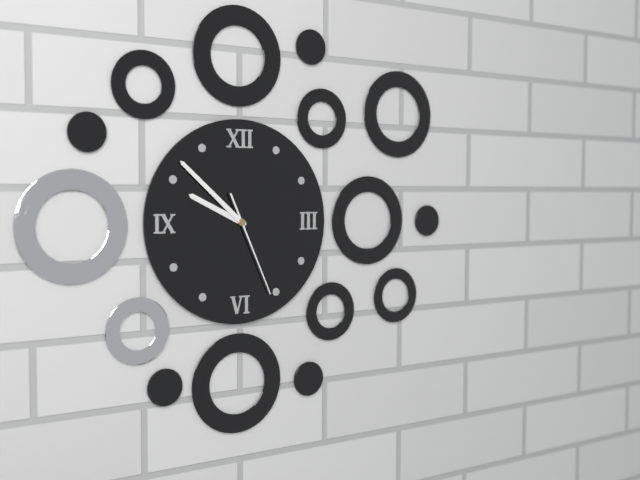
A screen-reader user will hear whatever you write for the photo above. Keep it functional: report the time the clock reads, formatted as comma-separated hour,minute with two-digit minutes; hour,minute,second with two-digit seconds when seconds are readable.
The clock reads 9,52,26
